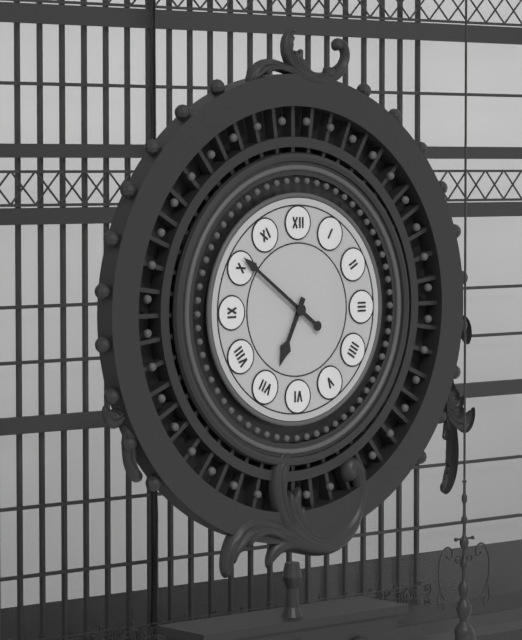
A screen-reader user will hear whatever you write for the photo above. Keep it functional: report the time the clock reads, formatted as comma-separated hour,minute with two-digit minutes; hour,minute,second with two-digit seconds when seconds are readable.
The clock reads 6,51
